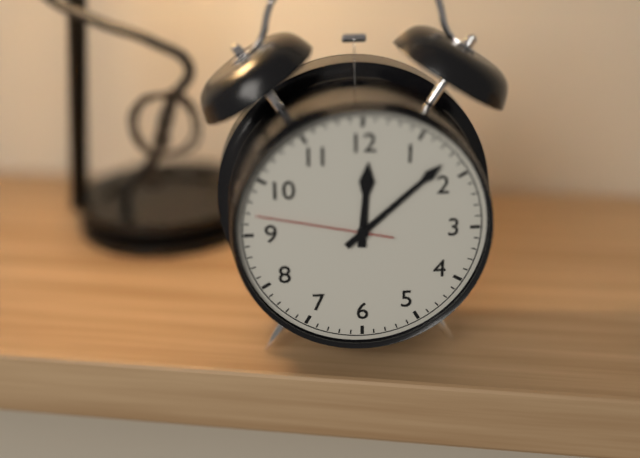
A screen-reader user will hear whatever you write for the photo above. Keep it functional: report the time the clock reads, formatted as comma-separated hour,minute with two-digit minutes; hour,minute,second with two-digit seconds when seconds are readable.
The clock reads 12,08,47
